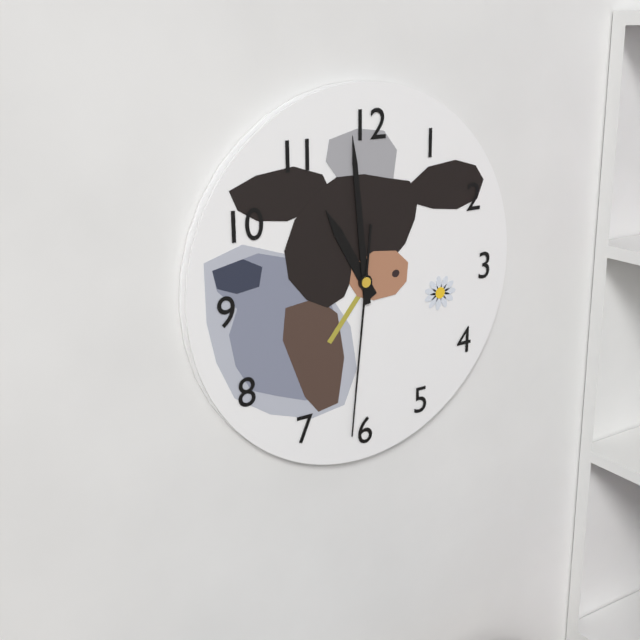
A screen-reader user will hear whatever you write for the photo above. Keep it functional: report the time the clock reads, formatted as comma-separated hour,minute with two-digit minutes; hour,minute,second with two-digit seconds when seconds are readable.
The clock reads 10,59,31
